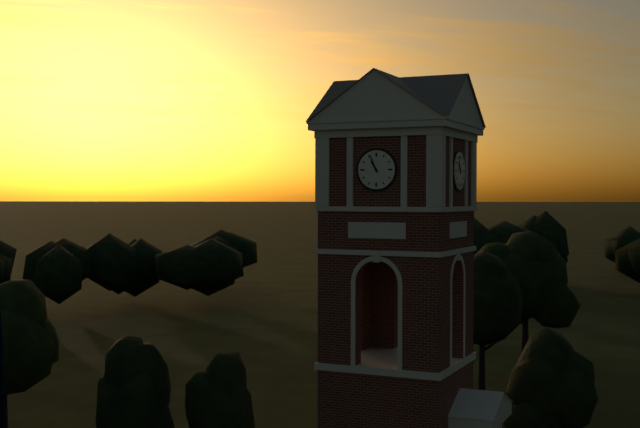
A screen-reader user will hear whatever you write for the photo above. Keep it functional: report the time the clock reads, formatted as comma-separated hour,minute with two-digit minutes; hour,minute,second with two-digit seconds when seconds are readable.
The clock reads 10,56
